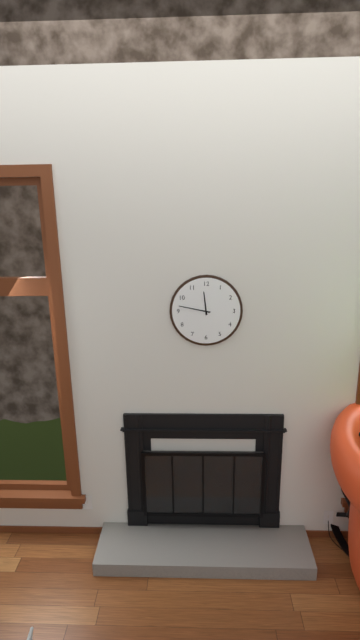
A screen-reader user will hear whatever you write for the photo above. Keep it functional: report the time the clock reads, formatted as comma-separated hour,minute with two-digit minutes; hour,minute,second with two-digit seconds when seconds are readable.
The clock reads 11,47
